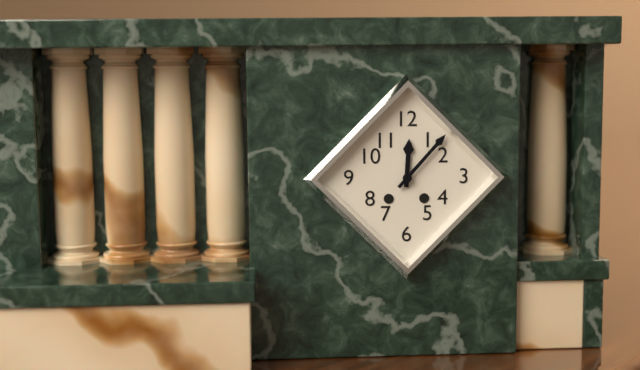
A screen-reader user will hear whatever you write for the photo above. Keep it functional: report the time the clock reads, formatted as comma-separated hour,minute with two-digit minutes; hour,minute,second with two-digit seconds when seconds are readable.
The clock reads 12,07
